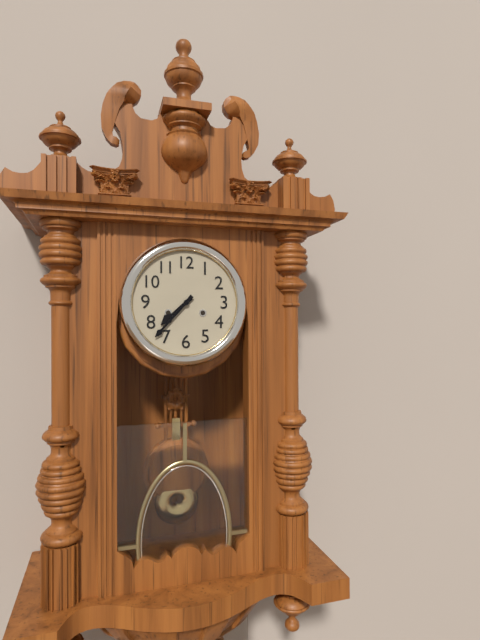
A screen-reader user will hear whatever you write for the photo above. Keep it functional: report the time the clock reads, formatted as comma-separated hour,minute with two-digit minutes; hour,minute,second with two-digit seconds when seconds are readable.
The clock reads 7,37
